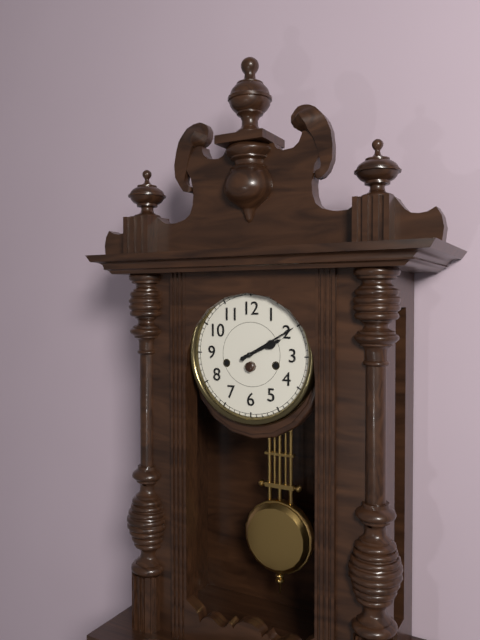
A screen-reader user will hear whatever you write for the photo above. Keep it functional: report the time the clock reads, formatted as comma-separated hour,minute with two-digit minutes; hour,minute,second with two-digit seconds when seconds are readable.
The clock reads 2,10
